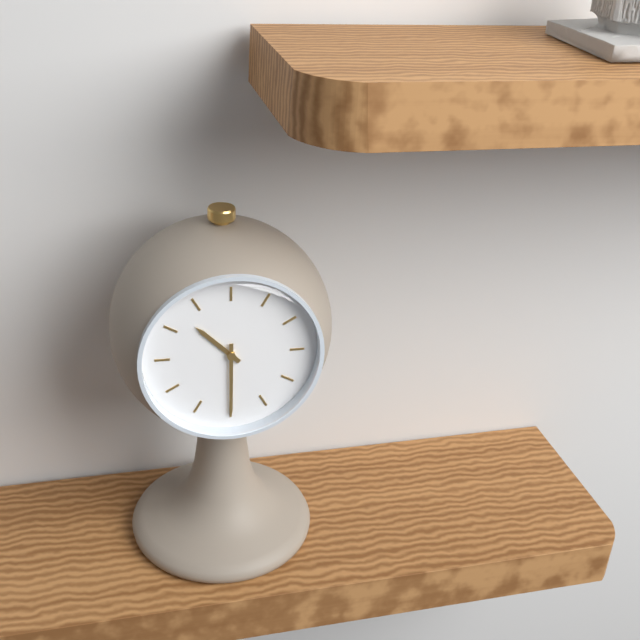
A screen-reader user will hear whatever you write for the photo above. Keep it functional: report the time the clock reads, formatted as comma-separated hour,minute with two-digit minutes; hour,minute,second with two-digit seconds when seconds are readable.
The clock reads 10,30
